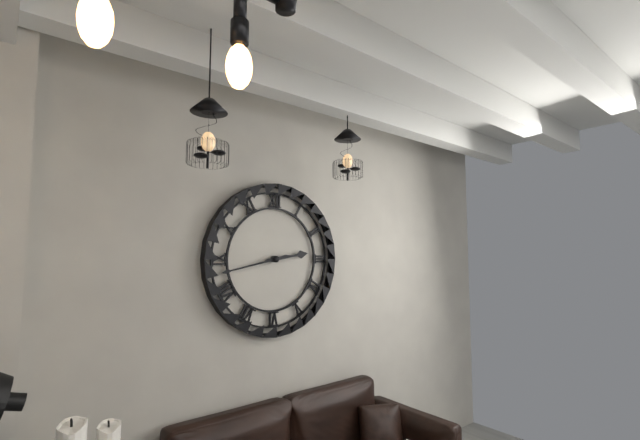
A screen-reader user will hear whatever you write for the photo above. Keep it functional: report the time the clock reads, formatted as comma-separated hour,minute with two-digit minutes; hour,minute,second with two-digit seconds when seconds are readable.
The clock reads 2,43
